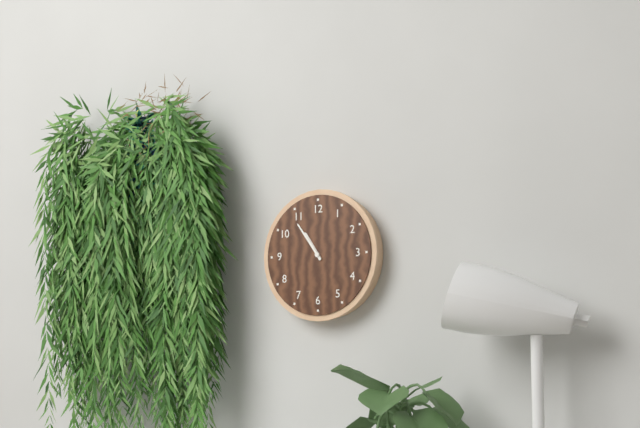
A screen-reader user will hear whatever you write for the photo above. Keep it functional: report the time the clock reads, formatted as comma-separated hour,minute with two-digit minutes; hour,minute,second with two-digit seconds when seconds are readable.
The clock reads 10,54
